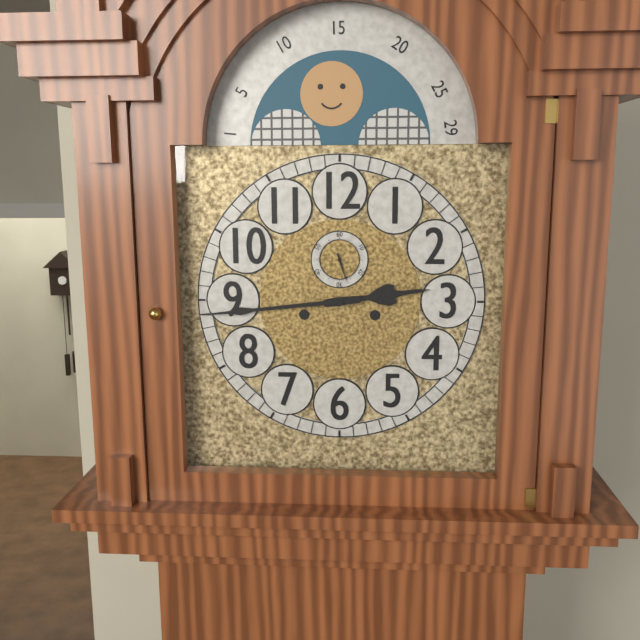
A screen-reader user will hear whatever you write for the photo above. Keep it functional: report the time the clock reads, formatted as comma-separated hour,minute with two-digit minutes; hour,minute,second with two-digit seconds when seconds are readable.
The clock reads 2,44
